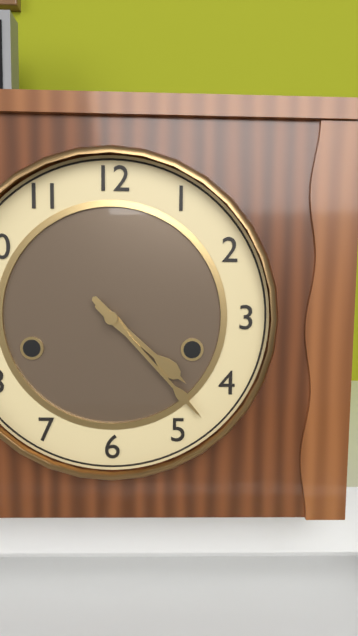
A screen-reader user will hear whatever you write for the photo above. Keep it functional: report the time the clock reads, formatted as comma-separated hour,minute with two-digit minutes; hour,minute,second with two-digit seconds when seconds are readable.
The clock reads 4,23
